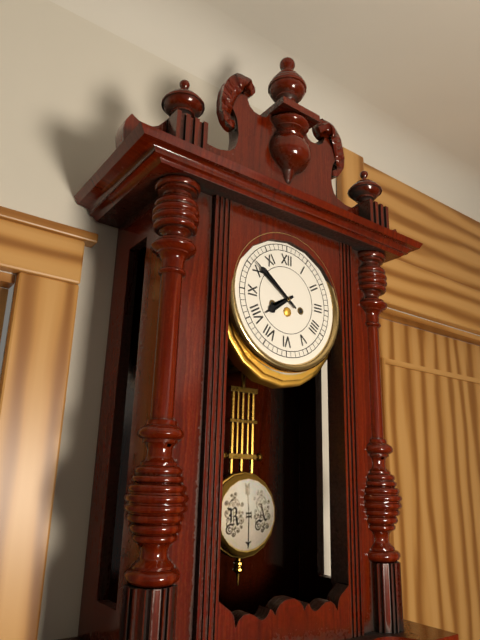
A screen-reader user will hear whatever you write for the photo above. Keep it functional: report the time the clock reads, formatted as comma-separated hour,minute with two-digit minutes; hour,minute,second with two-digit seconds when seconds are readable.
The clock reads 7,51
